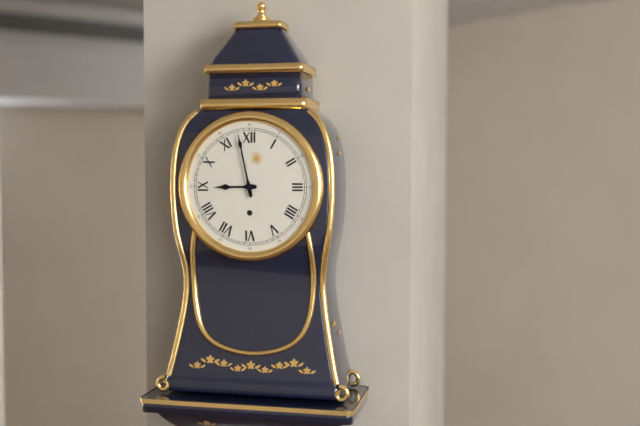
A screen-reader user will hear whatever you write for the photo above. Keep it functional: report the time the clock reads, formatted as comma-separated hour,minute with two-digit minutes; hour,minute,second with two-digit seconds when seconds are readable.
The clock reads 8,58
